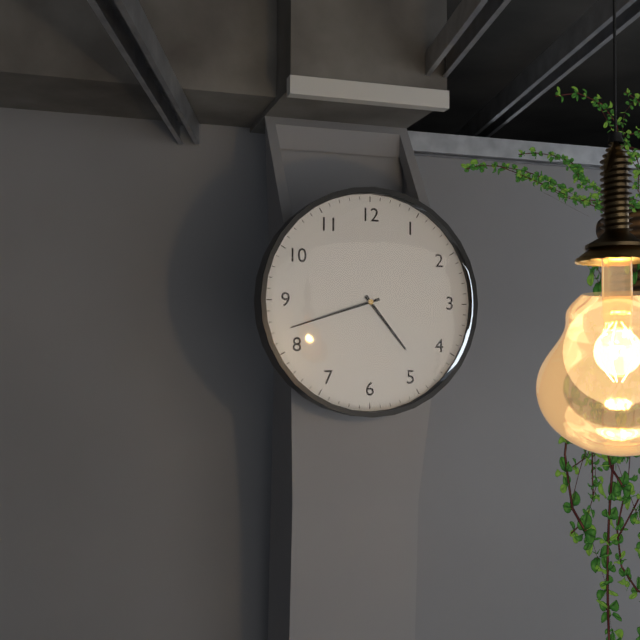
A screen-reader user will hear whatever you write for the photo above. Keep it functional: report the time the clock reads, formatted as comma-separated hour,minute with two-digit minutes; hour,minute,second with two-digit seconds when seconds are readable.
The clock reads 4,42
